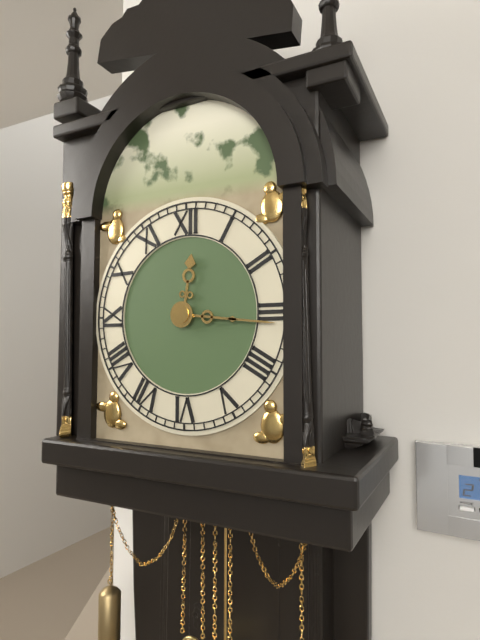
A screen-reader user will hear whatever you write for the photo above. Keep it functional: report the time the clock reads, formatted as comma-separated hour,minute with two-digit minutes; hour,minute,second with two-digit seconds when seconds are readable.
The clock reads 12,16
